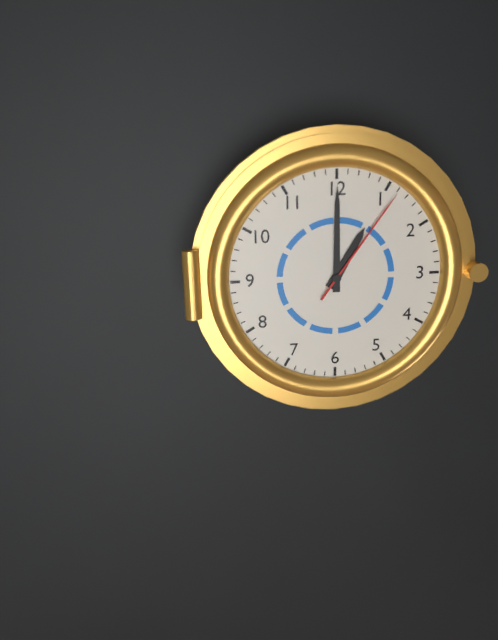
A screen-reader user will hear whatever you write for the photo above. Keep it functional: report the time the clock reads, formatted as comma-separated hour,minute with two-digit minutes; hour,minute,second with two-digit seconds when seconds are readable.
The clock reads 1,00,06
